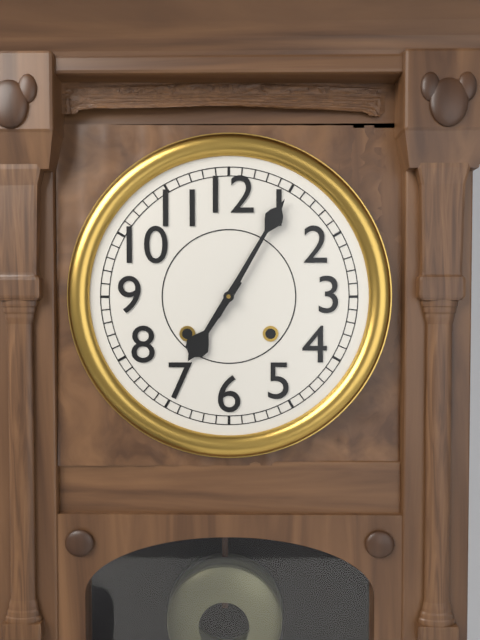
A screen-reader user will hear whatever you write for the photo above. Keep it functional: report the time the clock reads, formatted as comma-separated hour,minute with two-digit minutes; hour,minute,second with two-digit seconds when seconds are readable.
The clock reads 7,05
